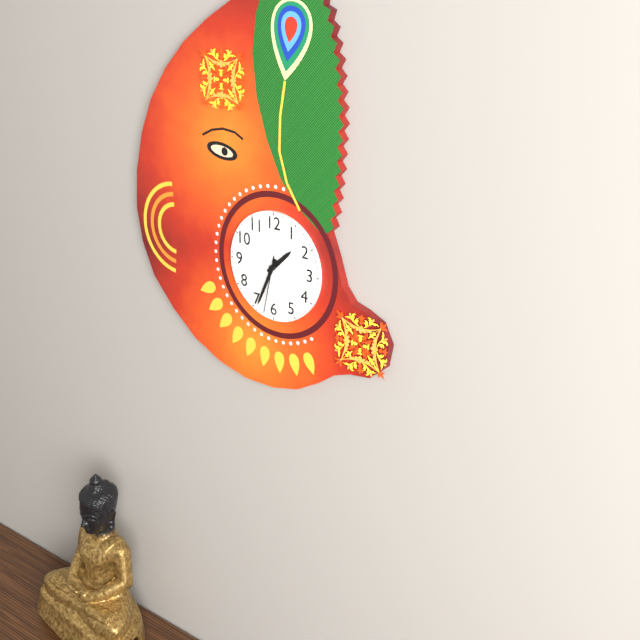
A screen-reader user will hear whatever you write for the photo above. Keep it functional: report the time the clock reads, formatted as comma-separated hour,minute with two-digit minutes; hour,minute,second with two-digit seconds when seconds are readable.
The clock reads 1,34,32
